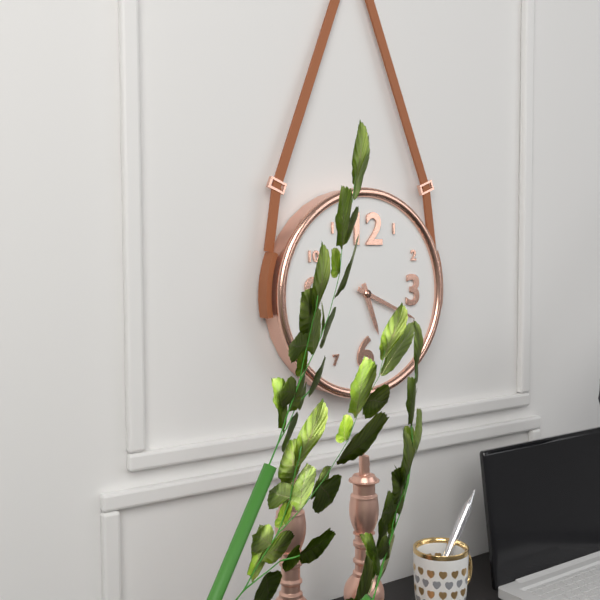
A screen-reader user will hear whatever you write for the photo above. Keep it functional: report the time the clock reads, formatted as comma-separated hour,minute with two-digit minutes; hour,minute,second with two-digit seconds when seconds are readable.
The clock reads 5,19
